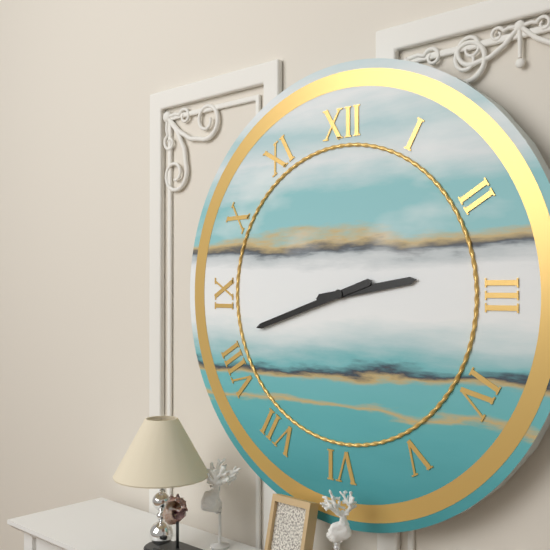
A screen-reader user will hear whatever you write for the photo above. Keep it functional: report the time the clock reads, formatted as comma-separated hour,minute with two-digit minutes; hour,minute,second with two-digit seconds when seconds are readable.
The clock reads 2,42
